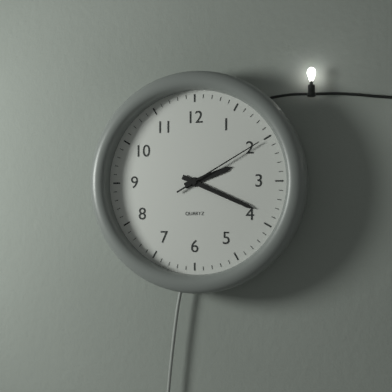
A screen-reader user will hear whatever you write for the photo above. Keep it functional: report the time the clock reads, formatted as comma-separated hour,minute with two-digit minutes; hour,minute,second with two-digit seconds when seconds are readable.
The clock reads 2,19,10
